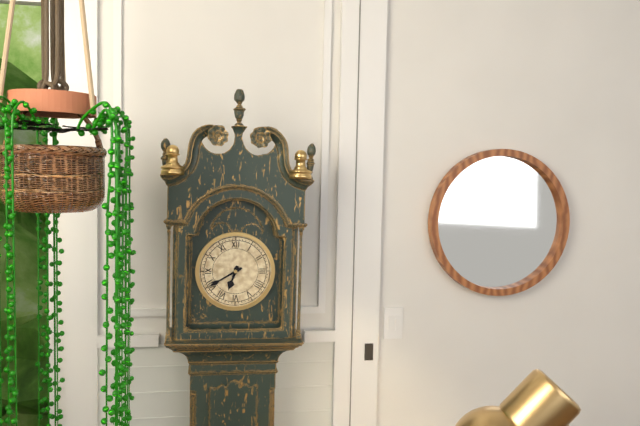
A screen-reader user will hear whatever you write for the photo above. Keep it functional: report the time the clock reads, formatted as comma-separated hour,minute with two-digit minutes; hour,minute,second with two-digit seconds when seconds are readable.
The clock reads 6,40
